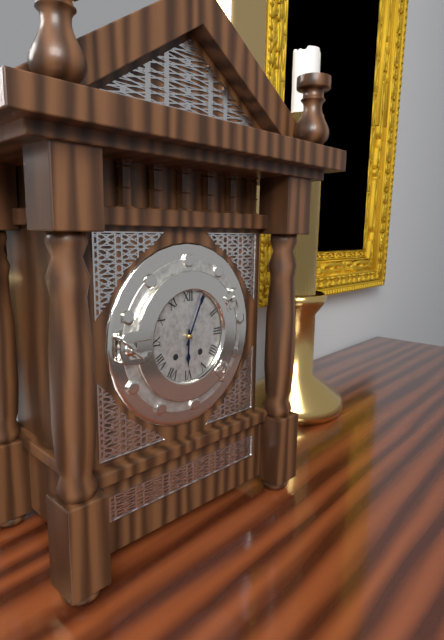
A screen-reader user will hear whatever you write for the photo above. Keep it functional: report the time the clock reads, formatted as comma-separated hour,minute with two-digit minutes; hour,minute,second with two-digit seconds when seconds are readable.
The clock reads 6,04
